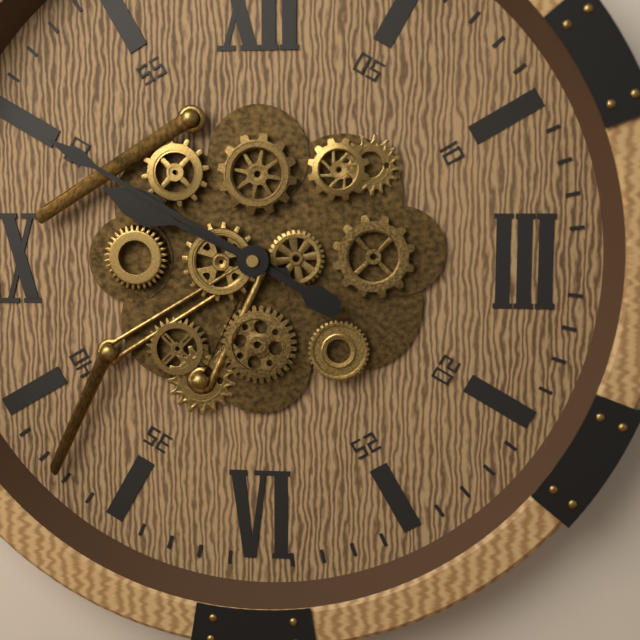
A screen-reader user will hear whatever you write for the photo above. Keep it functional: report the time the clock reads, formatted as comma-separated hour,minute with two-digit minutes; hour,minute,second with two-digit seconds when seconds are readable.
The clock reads 9,50
